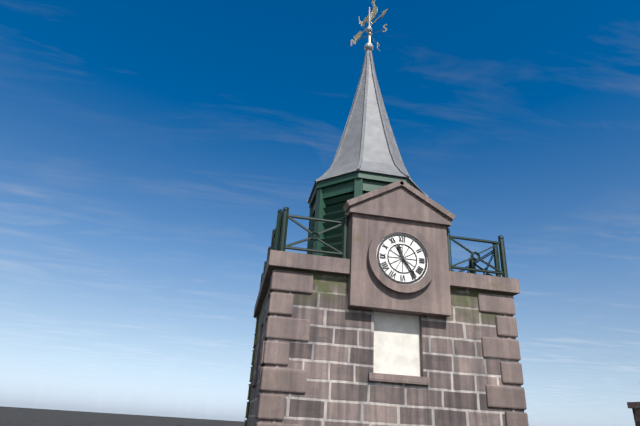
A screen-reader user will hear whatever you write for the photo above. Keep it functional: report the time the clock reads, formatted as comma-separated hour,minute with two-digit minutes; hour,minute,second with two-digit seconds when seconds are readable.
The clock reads 11,24
